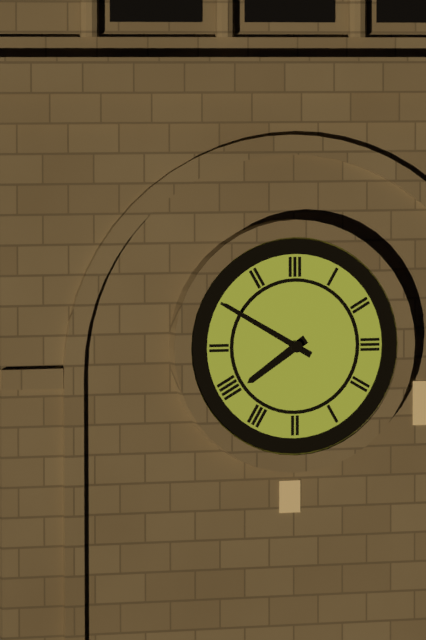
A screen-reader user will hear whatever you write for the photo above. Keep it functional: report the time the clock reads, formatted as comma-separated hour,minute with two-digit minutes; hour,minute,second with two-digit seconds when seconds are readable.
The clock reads 7,50
